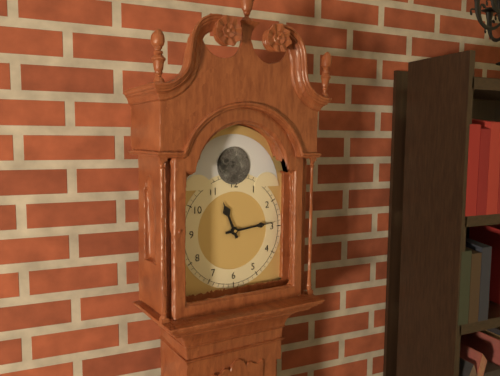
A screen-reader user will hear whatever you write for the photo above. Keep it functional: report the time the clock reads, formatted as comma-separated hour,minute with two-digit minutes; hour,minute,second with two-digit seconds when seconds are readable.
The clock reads 11,14
